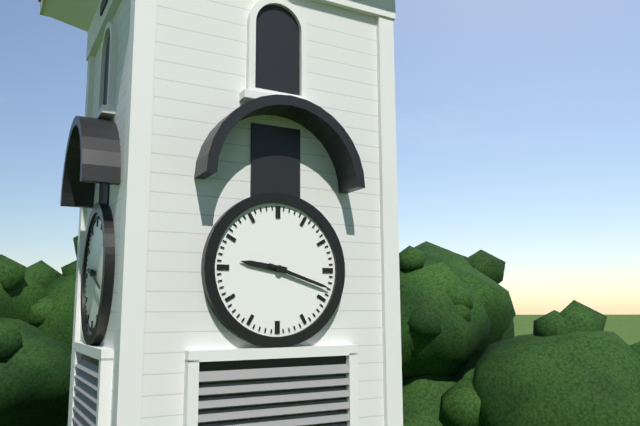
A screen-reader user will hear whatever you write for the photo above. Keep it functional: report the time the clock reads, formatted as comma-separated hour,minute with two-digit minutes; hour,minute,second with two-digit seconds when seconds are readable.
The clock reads 9,18
